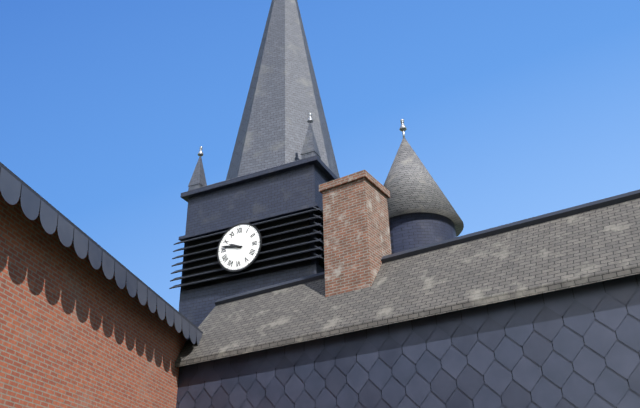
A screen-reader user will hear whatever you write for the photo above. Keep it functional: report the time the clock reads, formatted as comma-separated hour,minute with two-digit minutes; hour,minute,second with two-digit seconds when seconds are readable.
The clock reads 9,47
